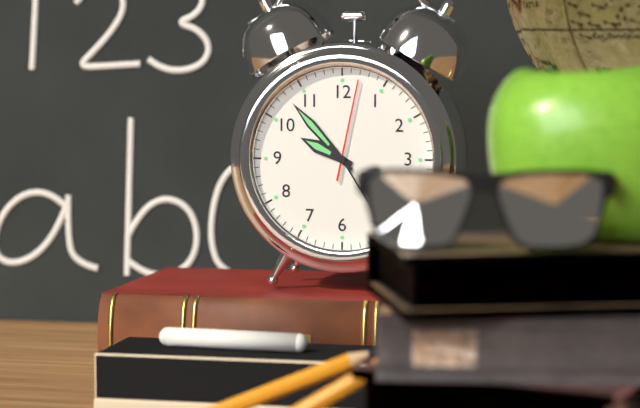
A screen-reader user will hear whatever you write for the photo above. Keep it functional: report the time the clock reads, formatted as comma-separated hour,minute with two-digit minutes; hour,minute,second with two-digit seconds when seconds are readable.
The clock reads 9,53,02
